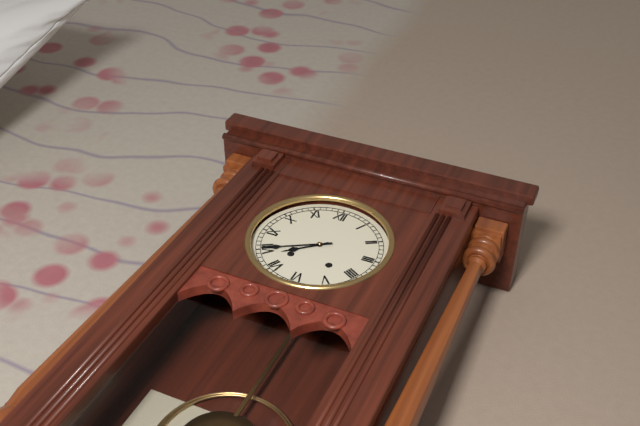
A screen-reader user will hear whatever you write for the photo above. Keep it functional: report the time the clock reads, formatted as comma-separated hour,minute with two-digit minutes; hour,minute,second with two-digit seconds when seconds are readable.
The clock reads 7,40
